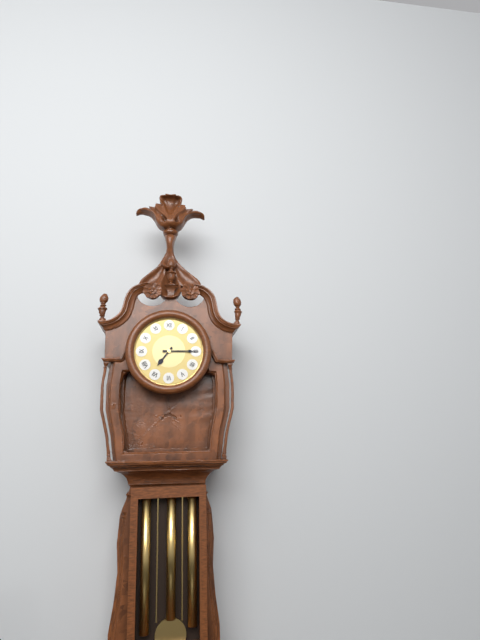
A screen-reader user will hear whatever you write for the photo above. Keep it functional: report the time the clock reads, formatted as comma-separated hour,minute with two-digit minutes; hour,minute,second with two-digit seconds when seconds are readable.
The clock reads 7,15
